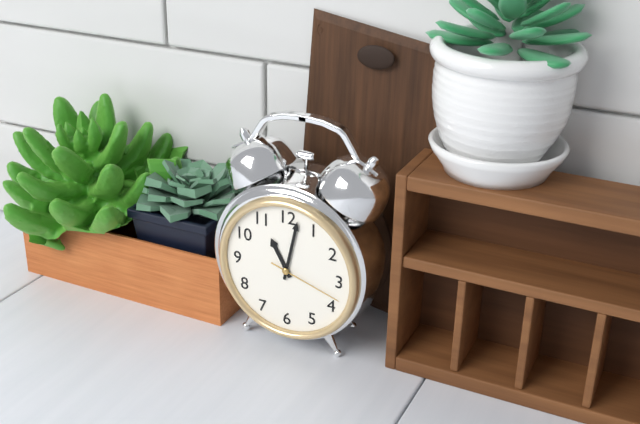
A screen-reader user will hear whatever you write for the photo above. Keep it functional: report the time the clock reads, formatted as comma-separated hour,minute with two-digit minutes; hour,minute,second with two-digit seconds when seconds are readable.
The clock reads 11,02,18
